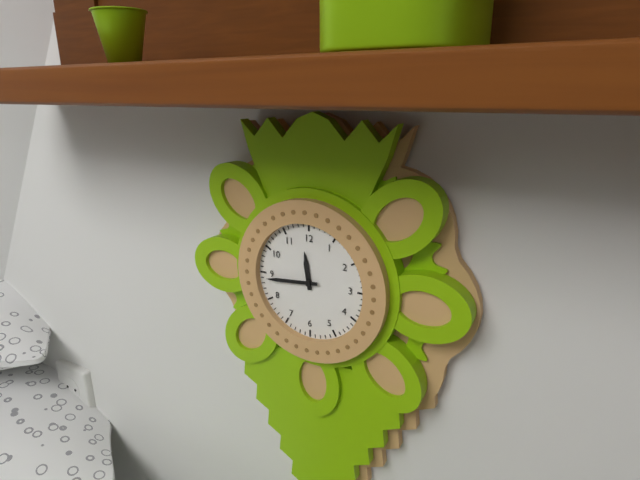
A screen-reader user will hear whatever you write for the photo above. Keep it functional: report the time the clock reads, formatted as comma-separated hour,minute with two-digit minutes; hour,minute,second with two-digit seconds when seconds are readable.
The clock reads 11,44
